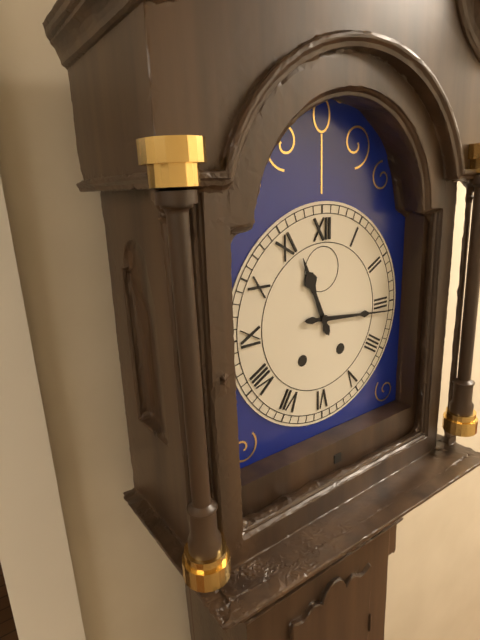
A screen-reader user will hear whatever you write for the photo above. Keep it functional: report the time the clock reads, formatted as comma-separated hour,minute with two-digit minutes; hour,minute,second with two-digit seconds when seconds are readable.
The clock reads 11,16
